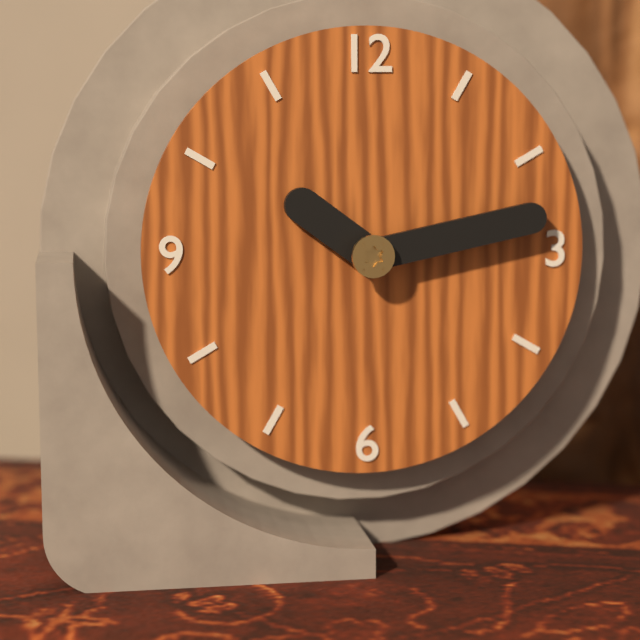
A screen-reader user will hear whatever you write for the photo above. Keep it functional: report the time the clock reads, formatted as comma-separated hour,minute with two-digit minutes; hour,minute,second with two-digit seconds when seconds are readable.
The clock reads 10,13
